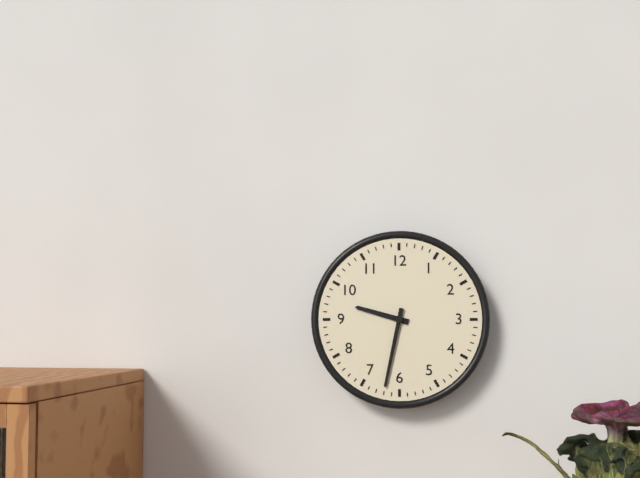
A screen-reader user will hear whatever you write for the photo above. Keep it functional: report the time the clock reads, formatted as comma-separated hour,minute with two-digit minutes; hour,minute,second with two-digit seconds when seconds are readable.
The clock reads 9,32
